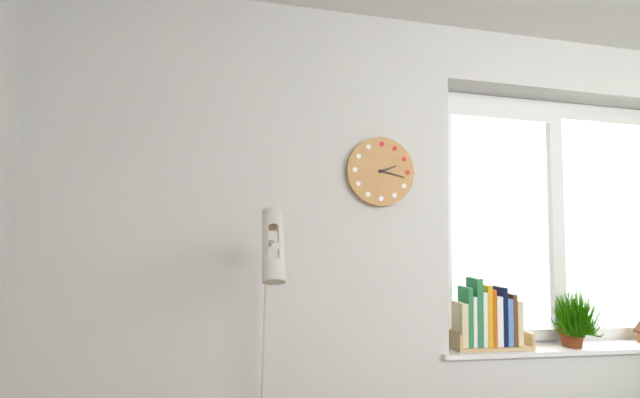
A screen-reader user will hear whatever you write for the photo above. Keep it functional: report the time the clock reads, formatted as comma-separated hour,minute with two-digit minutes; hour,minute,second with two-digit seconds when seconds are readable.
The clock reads 2,17
